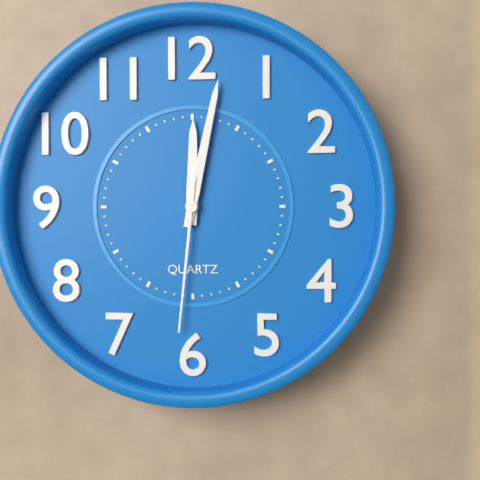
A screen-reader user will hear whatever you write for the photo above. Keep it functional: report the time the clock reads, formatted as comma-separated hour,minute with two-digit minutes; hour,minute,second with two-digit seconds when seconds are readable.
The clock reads 12,02,31
